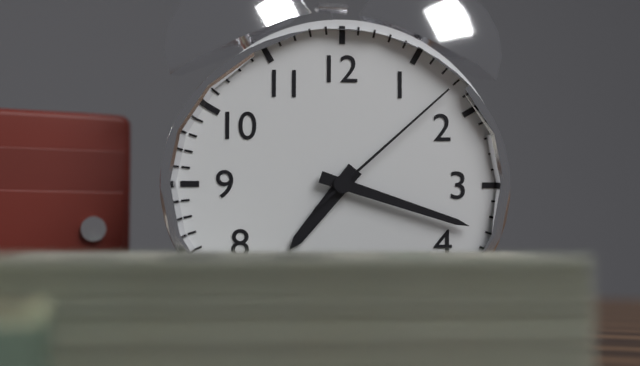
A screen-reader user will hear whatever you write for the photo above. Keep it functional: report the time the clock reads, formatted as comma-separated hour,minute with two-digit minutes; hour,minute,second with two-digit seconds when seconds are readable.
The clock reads 7,18,08
